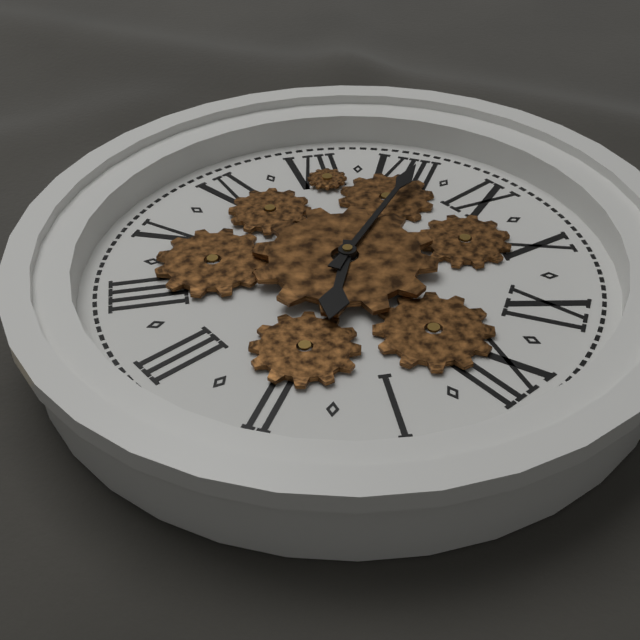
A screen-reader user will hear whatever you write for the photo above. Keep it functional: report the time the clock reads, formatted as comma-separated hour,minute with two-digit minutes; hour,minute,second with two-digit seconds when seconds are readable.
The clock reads 1,41
